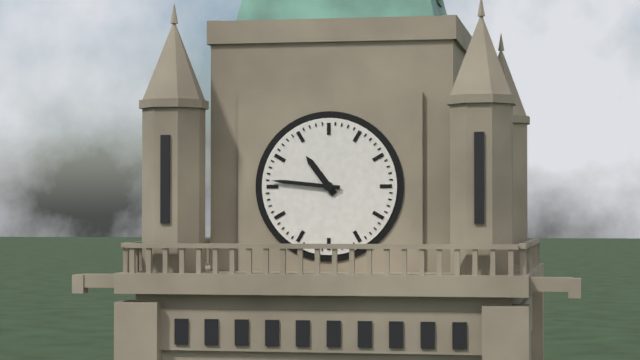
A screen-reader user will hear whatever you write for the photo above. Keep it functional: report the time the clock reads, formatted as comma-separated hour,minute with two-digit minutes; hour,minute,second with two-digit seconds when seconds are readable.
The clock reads 10,46
